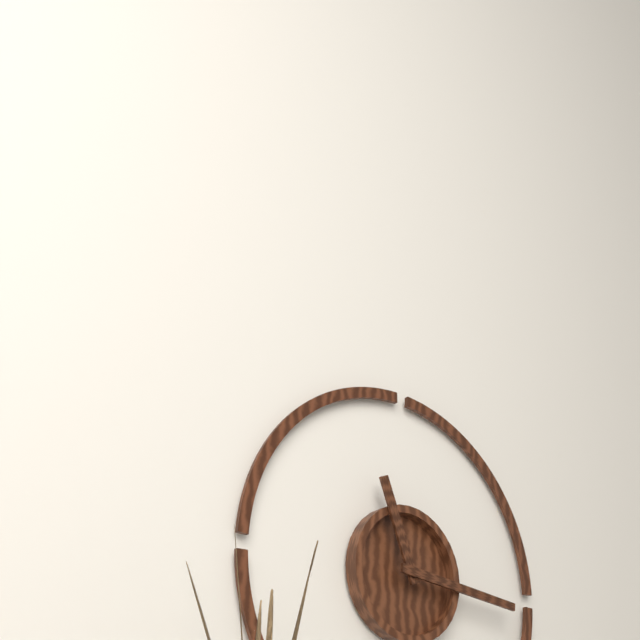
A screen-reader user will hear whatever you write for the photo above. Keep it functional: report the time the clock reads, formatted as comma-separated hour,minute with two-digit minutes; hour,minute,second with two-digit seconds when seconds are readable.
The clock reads 11,16
